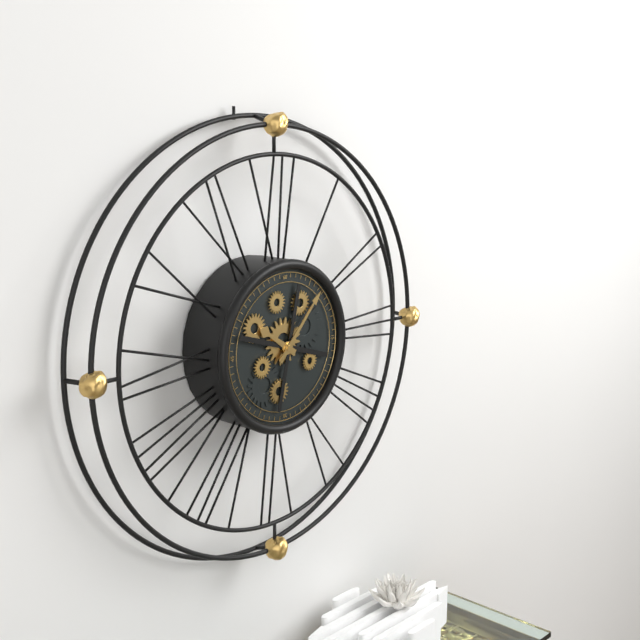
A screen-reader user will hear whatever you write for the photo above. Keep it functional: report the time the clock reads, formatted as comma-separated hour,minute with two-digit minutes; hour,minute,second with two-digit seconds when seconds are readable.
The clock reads 10,07
